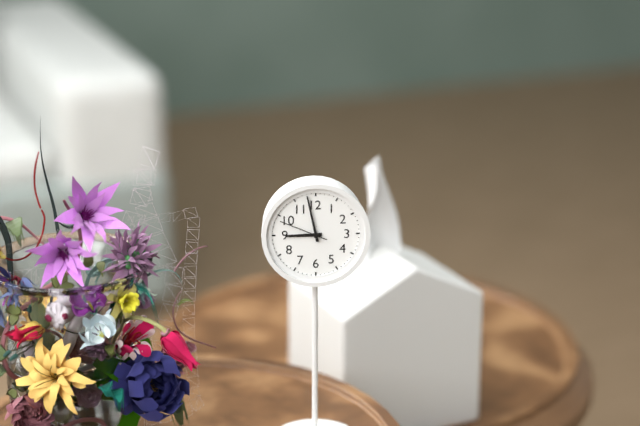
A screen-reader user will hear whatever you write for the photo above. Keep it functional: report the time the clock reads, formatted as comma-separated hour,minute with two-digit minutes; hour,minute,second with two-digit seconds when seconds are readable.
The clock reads 8,58
